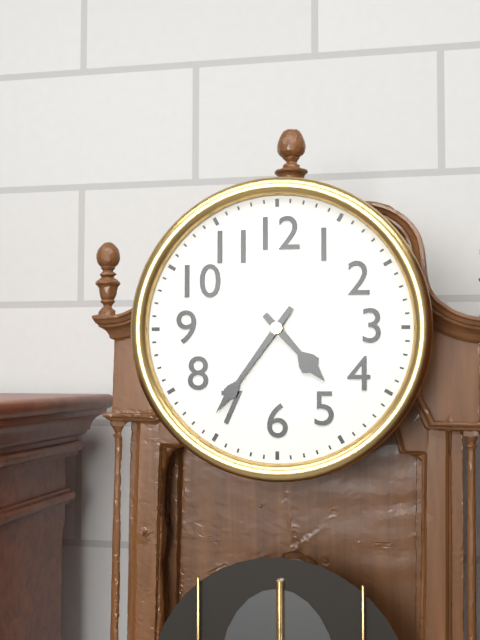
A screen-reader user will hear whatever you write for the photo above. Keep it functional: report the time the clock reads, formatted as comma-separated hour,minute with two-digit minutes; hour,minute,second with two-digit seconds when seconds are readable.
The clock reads 4,36
